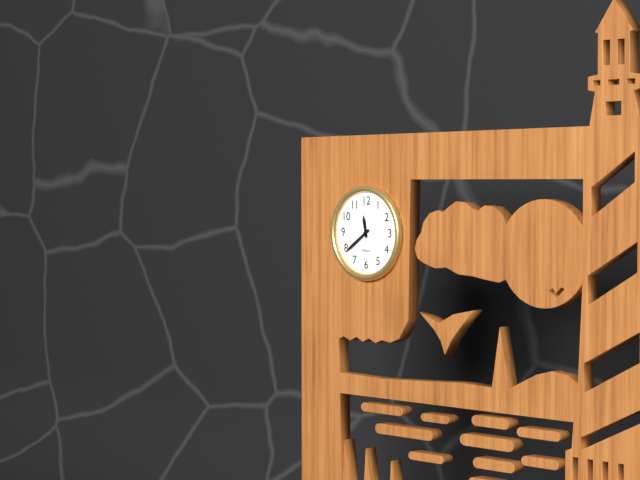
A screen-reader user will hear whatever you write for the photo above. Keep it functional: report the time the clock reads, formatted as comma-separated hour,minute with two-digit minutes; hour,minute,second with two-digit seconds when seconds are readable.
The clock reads 11,39
